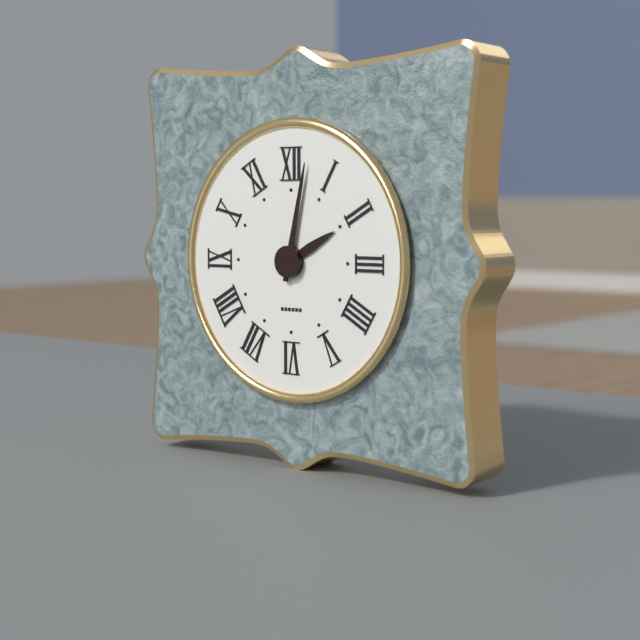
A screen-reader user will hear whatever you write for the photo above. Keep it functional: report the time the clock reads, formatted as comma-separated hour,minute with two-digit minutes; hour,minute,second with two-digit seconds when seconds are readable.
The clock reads 2,02
